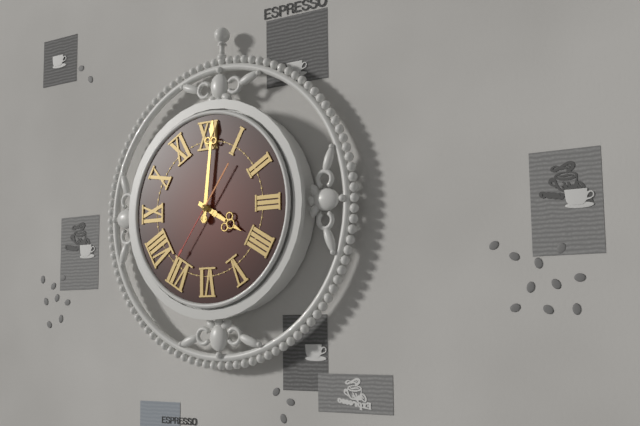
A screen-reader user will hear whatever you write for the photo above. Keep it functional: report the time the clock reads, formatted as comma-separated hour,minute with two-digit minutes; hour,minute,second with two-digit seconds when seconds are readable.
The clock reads 4,01,36
